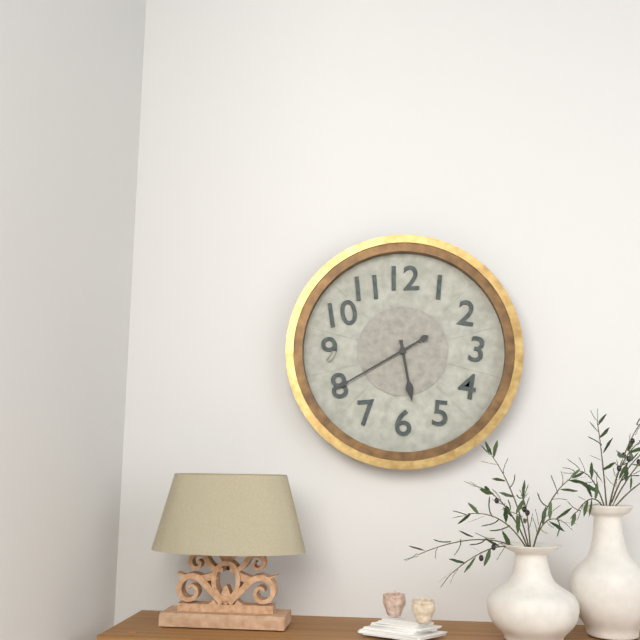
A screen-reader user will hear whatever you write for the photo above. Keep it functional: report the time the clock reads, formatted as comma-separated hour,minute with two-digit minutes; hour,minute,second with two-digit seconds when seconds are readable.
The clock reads 5,40
